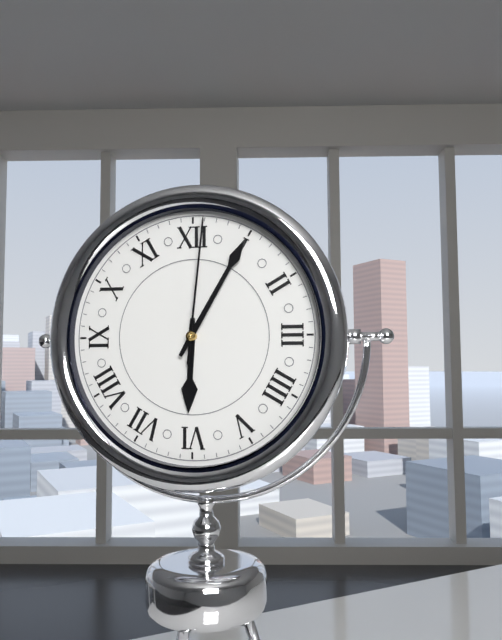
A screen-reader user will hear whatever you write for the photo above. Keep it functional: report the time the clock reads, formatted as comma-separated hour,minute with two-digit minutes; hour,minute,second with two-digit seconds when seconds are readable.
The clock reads 6,05,01
